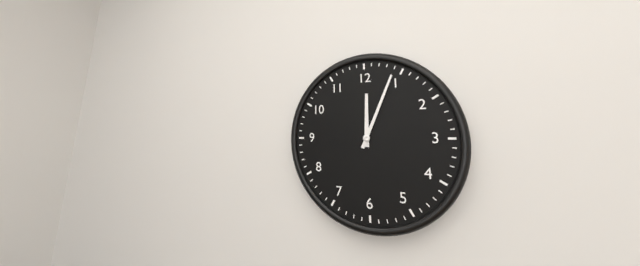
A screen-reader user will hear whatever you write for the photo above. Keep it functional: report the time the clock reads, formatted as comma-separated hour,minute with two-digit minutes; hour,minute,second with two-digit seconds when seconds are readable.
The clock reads 12,04
